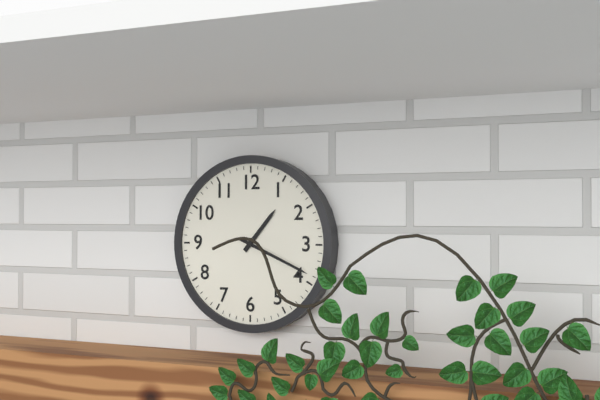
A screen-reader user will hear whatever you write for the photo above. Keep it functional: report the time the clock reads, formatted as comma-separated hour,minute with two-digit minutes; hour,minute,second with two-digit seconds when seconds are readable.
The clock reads 1,19
